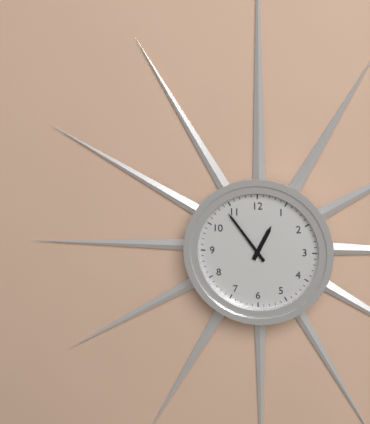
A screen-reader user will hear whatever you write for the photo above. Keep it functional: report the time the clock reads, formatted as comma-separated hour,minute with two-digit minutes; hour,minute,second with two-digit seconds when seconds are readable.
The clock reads 12,54
